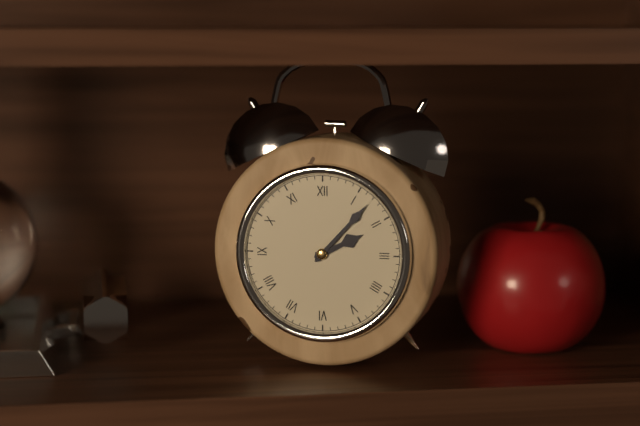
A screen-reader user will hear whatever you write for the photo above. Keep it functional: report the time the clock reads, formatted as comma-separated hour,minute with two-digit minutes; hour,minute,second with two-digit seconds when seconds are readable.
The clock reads 2,07
